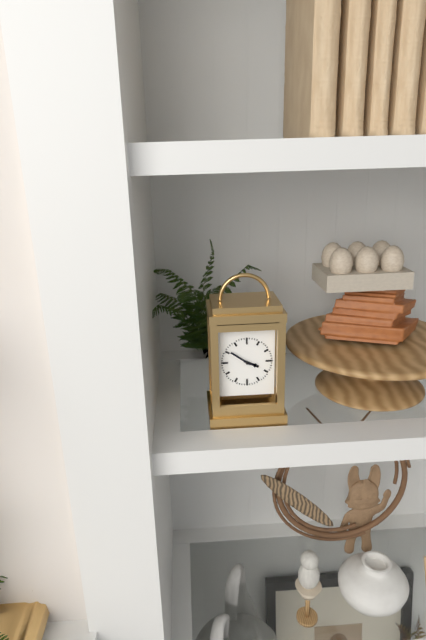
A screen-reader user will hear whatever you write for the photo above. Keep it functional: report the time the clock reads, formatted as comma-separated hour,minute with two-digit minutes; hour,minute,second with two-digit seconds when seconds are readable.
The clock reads 3,51
